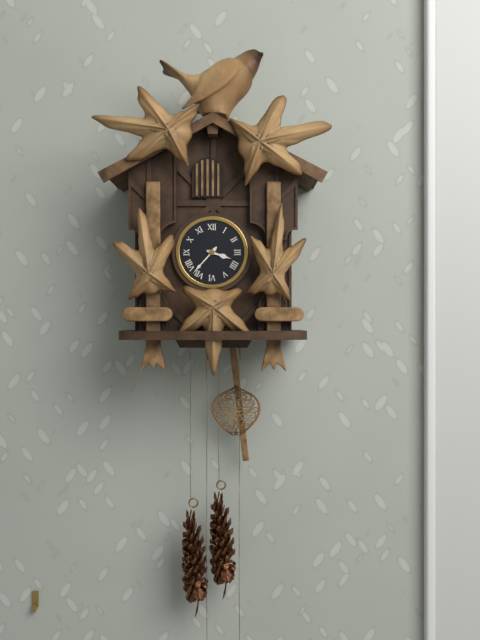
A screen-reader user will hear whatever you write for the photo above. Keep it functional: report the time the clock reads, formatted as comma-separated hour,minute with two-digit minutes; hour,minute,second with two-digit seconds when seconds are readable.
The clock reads 3,37
